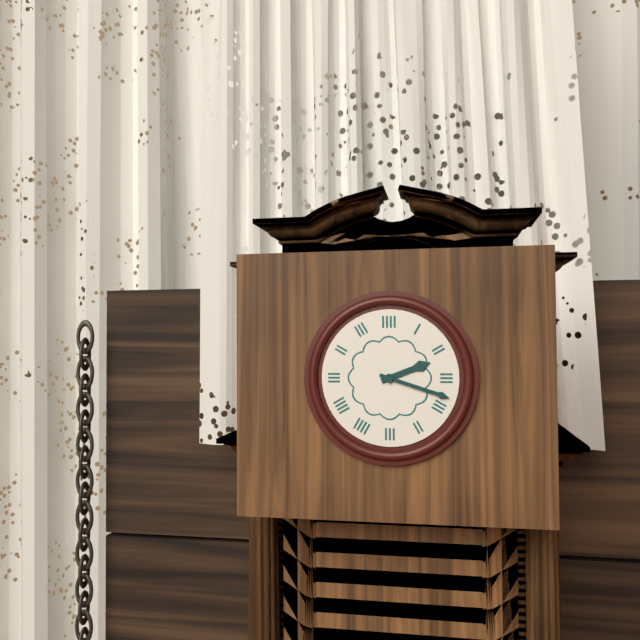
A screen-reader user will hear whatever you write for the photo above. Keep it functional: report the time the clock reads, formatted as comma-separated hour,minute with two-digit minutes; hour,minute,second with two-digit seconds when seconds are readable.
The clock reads 2,18
